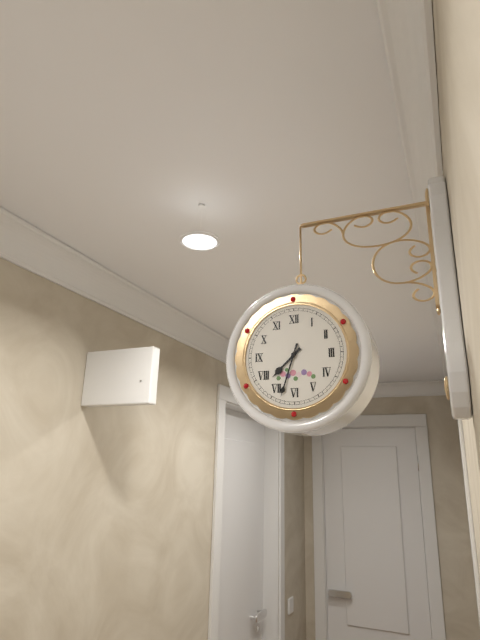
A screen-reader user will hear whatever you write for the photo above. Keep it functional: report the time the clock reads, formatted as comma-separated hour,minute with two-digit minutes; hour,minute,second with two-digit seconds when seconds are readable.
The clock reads 7,33
